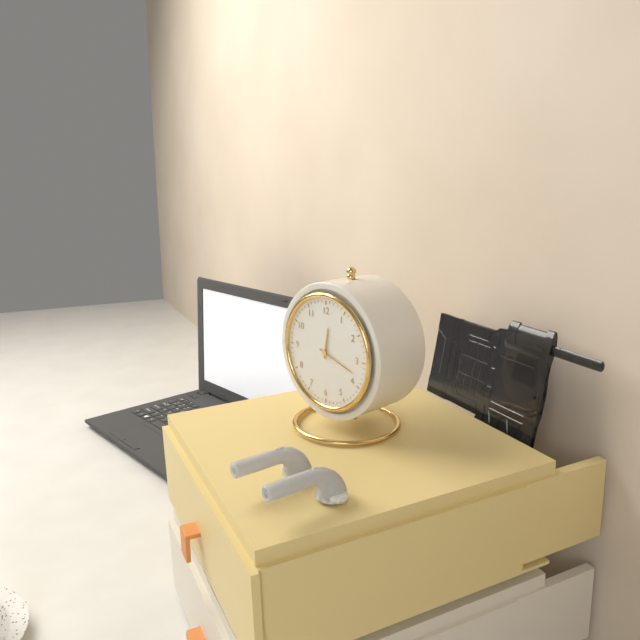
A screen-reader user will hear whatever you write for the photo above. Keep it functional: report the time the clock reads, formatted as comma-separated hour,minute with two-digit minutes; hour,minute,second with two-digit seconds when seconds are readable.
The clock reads 12,18
